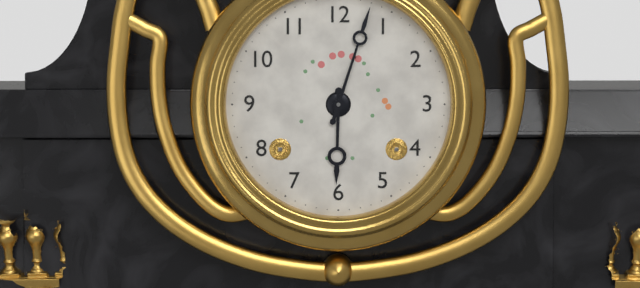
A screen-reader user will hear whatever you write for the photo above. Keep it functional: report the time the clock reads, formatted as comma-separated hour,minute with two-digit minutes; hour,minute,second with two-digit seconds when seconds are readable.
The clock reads 6,03
